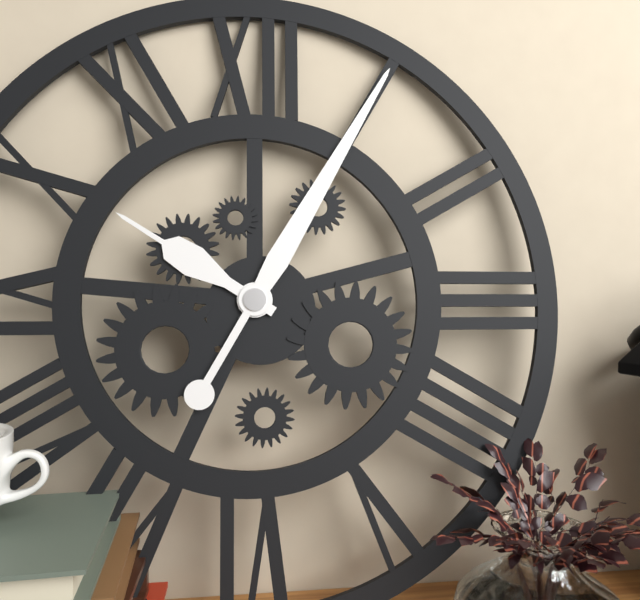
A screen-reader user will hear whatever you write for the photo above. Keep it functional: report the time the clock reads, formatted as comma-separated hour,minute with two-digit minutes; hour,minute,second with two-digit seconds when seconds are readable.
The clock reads 10,05
